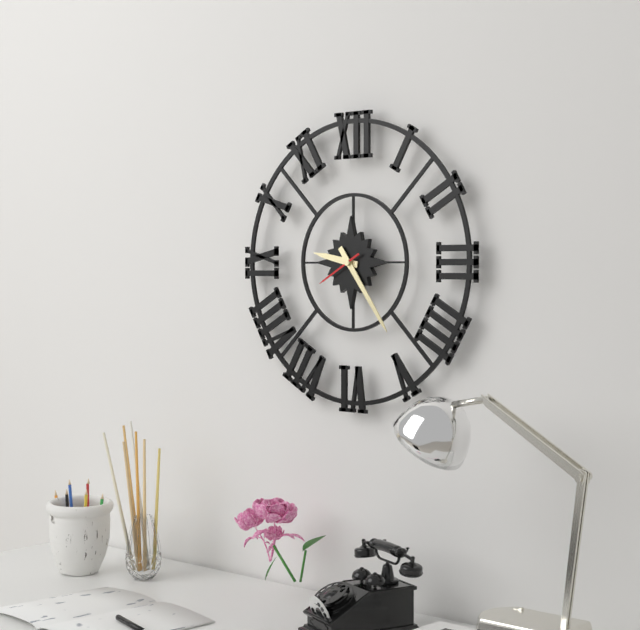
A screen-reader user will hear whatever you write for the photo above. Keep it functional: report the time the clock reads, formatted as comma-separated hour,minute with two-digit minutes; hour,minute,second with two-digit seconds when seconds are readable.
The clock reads 9,24,40
